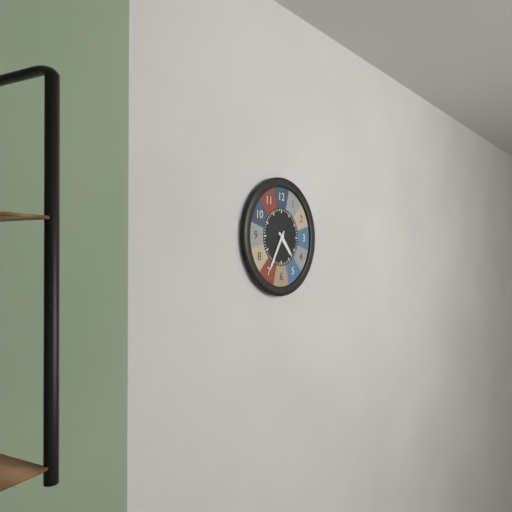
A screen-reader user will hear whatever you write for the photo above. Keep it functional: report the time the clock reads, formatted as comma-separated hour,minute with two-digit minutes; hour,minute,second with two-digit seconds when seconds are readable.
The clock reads 4,35
